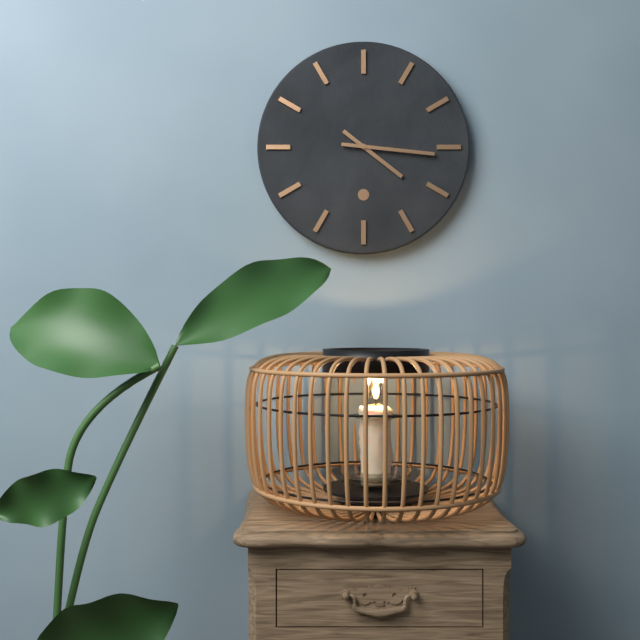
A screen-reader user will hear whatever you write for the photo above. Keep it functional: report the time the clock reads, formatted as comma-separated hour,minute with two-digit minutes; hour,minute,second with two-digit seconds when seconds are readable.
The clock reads 4,16
